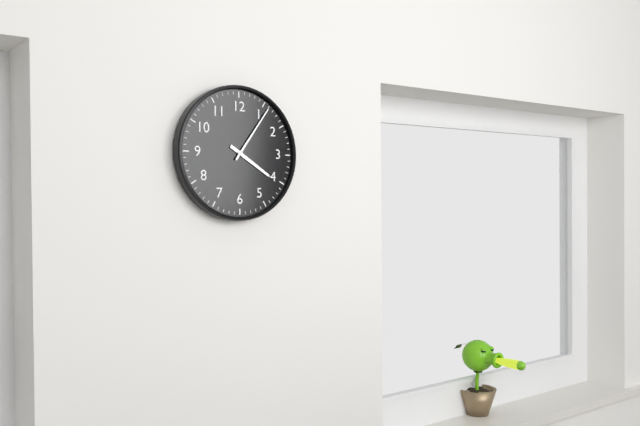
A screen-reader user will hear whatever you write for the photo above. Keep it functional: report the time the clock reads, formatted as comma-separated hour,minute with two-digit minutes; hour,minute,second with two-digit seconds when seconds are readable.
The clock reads 4,06
